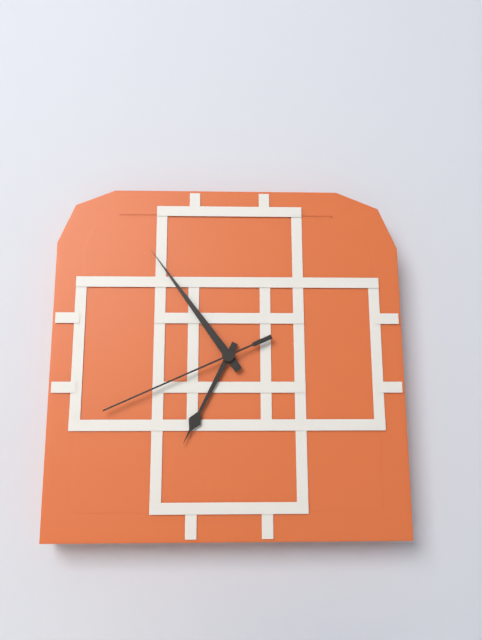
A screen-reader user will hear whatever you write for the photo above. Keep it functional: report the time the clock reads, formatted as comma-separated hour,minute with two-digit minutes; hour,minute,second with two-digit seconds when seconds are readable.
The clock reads 6,54,41
